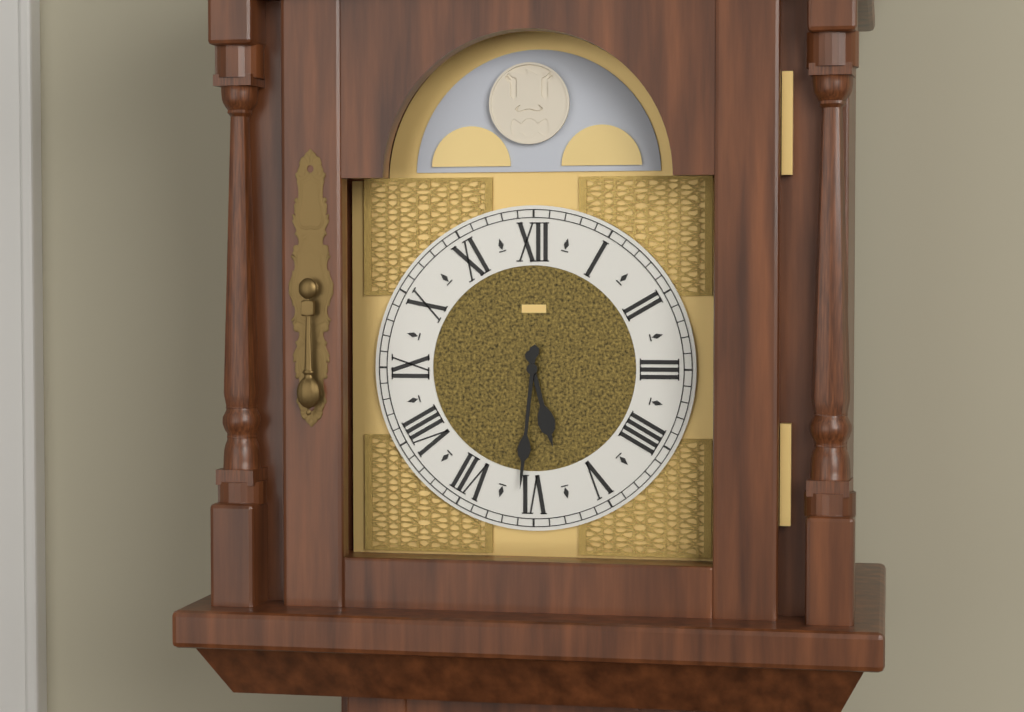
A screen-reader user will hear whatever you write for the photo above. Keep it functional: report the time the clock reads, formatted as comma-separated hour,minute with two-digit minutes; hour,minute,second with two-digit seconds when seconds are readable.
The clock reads 5,31
